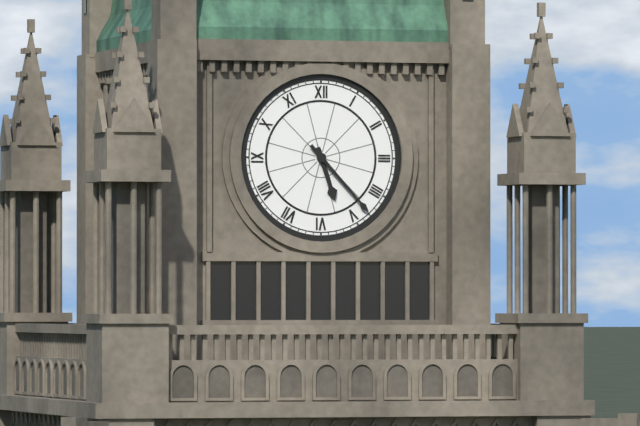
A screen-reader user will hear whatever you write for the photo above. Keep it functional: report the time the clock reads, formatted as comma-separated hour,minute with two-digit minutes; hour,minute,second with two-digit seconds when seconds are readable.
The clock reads 5,23
